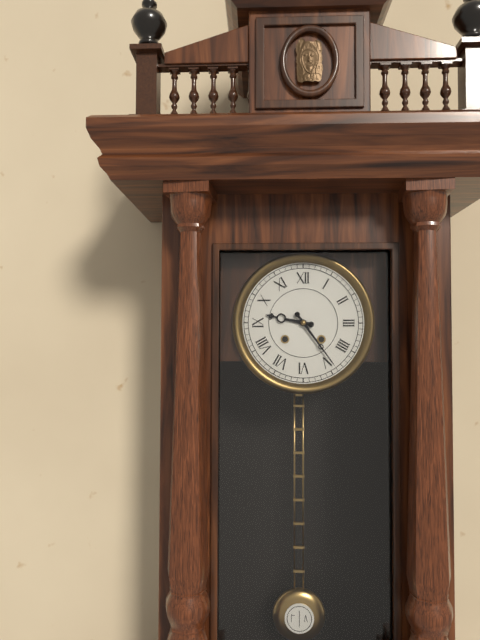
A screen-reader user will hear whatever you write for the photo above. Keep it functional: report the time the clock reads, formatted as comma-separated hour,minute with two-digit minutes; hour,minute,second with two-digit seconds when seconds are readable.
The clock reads 9,24
